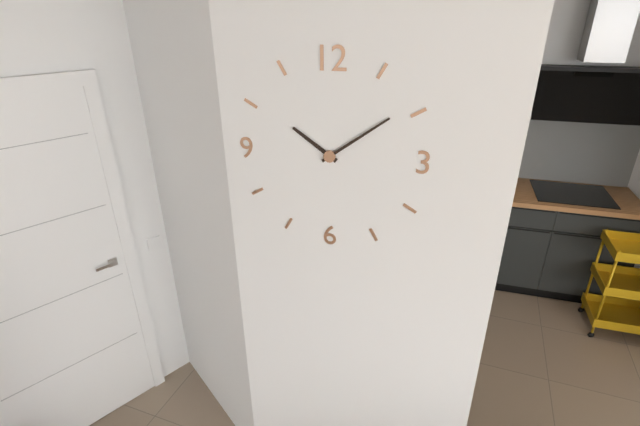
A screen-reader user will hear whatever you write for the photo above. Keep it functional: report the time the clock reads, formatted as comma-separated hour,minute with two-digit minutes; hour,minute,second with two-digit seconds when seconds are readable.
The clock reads 10,09
